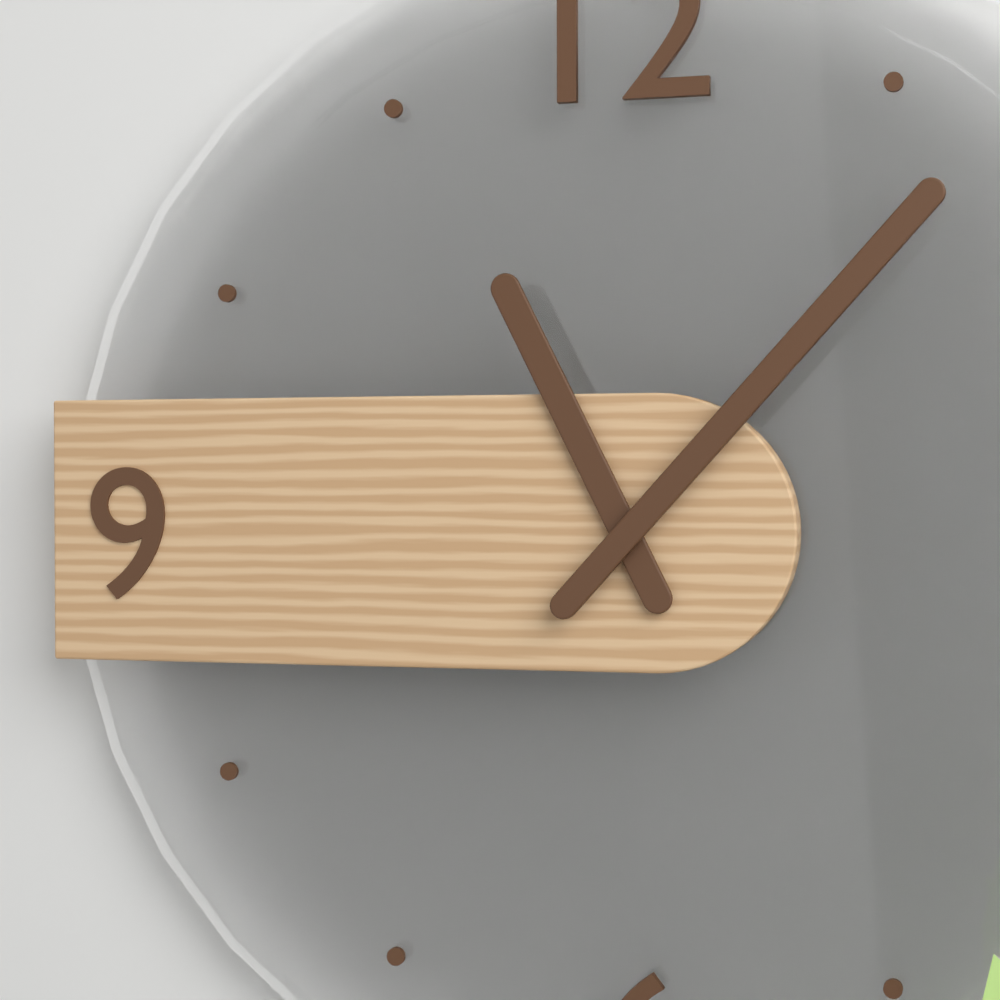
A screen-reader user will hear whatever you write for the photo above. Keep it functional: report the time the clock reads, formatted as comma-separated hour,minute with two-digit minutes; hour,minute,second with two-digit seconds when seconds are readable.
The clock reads 11,07
